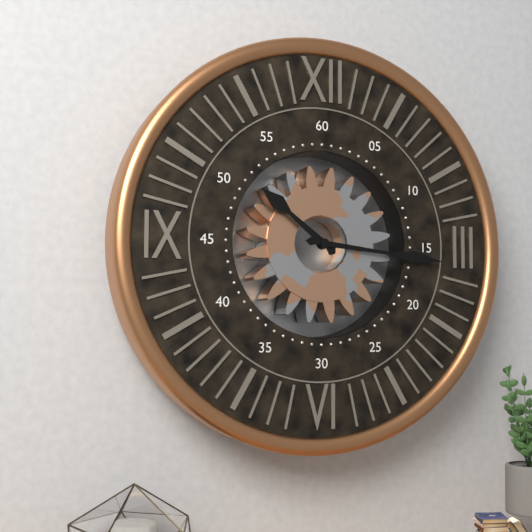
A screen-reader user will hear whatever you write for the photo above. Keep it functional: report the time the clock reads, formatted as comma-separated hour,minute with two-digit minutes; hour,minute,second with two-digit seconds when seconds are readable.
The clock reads 10,16
